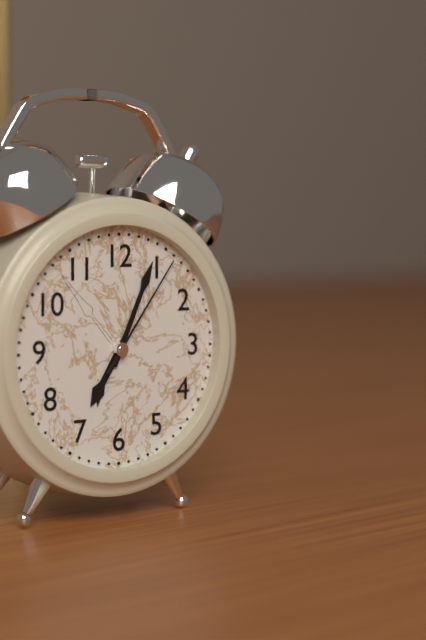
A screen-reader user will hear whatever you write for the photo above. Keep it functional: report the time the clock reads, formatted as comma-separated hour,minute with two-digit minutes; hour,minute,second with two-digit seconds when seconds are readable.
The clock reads 7,04,06
